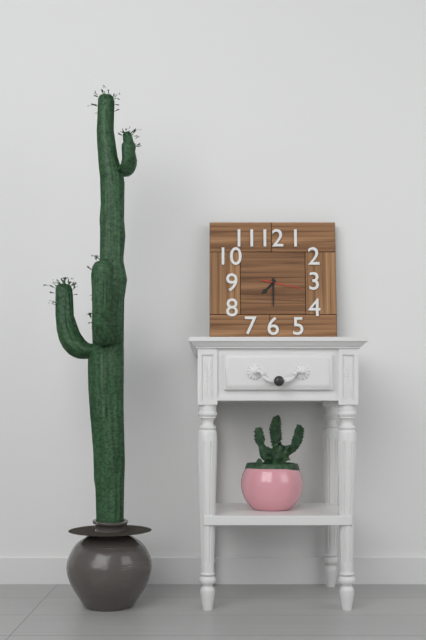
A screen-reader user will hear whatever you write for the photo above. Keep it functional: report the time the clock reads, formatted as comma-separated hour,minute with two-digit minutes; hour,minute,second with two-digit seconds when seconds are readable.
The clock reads 7,30
